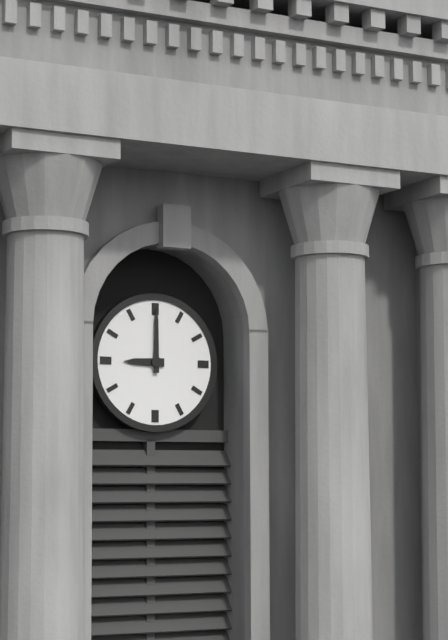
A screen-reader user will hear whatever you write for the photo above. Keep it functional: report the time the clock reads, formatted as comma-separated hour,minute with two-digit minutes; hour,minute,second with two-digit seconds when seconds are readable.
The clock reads 9,00
